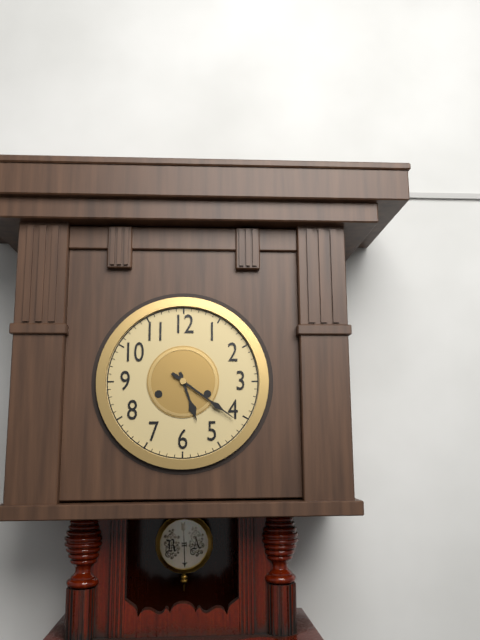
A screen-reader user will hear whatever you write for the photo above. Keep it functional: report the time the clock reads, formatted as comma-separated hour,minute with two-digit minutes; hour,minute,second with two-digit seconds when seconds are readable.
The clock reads 5,21
